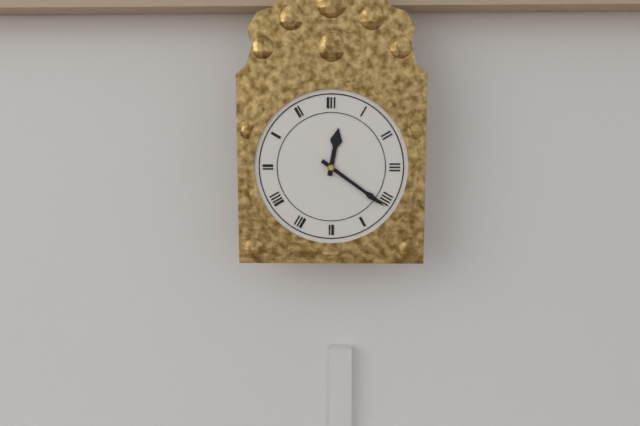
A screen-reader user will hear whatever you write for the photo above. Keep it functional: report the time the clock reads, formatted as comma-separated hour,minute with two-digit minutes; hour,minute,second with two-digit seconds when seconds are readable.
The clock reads 12,21
